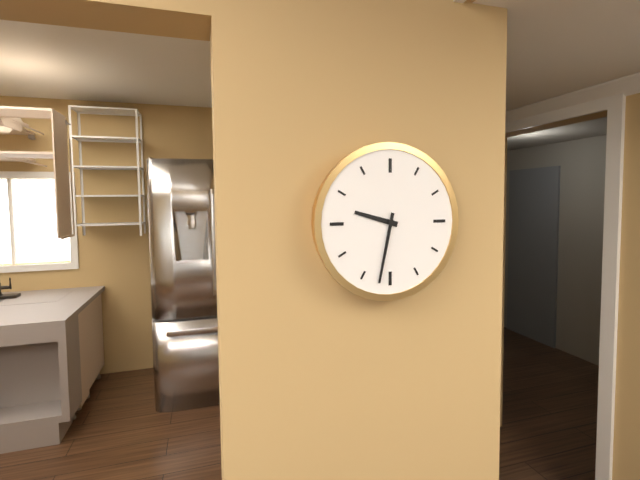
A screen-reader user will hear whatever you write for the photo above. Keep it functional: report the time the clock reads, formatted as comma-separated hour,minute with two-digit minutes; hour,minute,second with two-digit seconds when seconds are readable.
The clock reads 9,32
